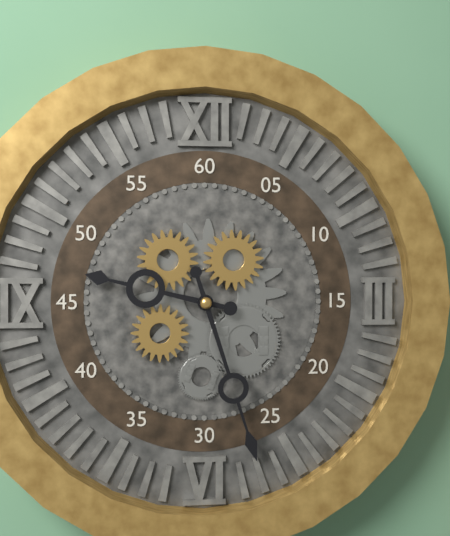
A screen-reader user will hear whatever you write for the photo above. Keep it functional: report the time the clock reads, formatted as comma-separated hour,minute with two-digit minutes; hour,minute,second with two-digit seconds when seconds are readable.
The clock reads 9,27
